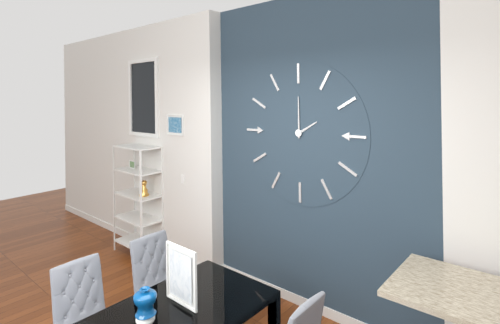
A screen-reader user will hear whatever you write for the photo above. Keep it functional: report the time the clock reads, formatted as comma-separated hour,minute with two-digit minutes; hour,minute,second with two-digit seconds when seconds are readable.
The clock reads 2,00
